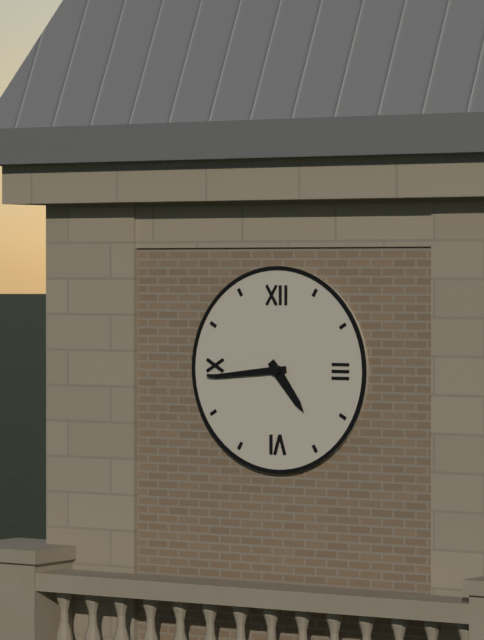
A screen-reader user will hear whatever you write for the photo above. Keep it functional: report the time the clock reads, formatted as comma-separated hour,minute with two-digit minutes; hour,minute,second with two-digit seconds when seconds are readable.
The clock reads 4,44
